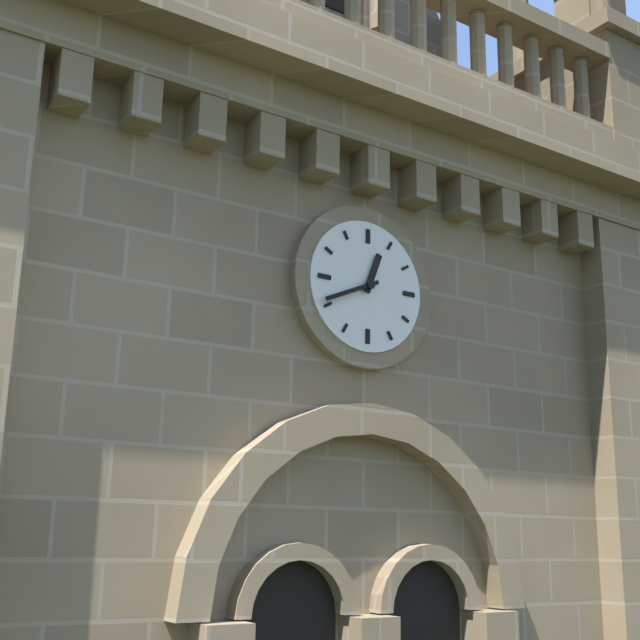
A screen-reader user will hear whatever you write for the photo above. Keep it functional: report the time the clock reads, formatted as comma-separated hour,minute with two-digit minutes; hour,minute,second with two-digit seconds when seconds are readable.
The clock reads 12,41
